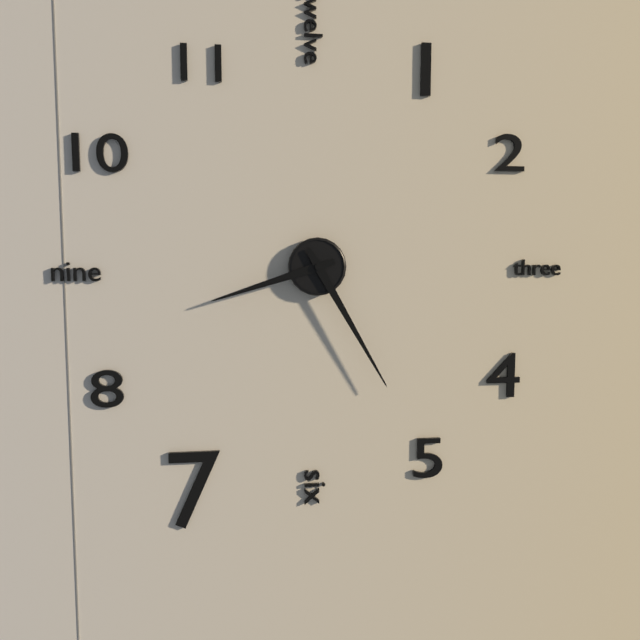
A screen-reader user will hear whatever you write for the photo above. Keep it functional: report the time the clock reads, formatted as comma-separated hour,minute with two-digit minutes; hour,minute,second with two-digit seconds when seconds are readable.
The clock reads 8,25
